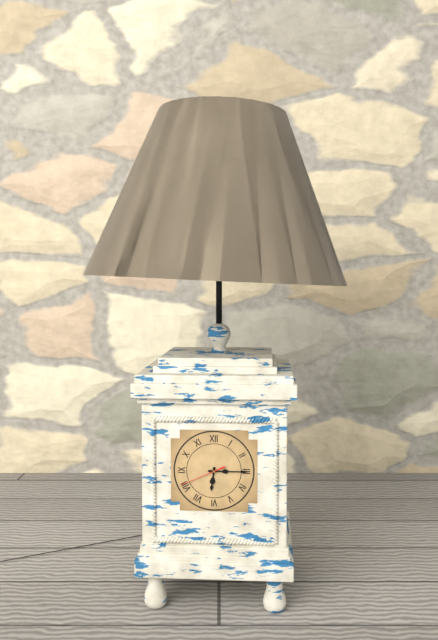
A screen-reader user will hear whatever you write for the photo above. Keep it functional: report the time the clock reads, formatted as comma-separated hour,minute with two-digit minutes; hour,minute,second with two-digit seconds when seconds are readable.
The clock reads 6,15
